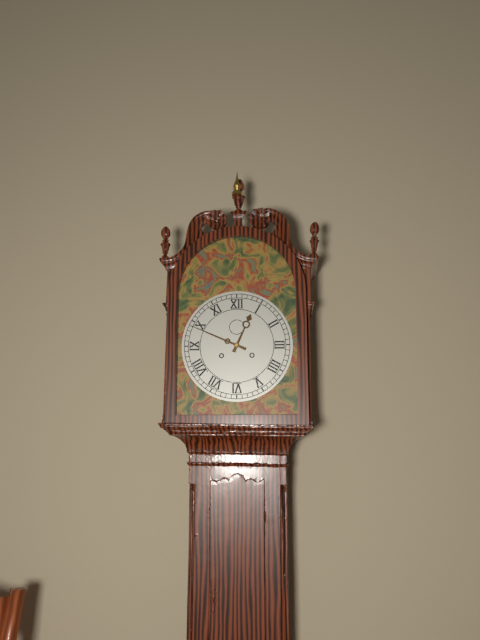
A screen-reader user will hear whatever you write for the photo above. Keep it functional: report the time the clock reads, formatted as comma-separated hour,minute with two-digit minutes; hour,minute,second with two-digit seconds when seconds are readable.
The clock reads 12,49
